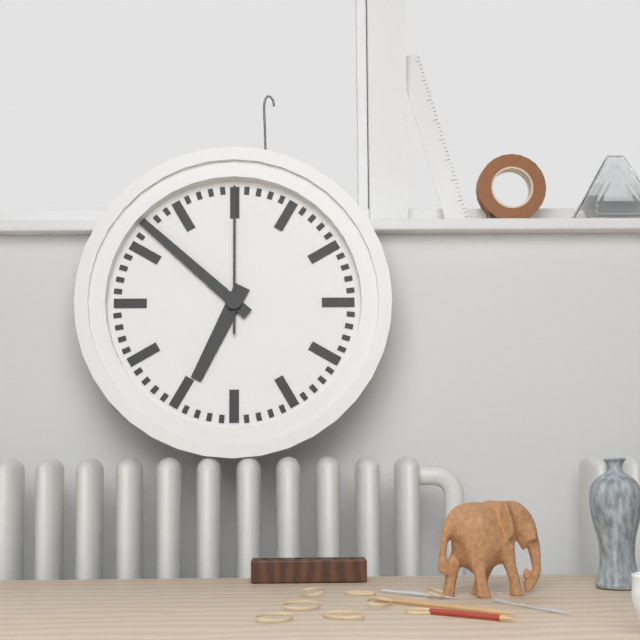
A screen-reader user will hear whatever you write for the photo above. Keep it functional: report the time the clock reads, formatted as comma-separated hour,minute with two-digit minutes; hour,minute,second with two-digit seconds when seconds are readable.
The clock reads 6,52,00
